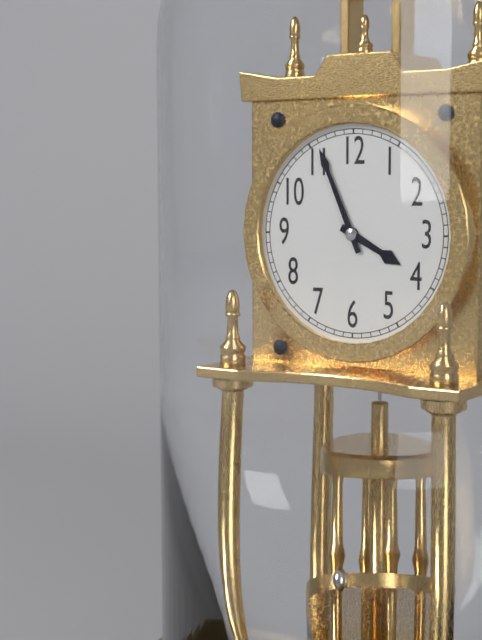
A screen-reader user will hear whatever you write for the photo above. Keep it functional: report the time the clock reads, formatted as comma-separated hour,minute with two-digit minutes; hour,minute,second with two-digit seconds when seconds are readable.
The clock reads 3,56
